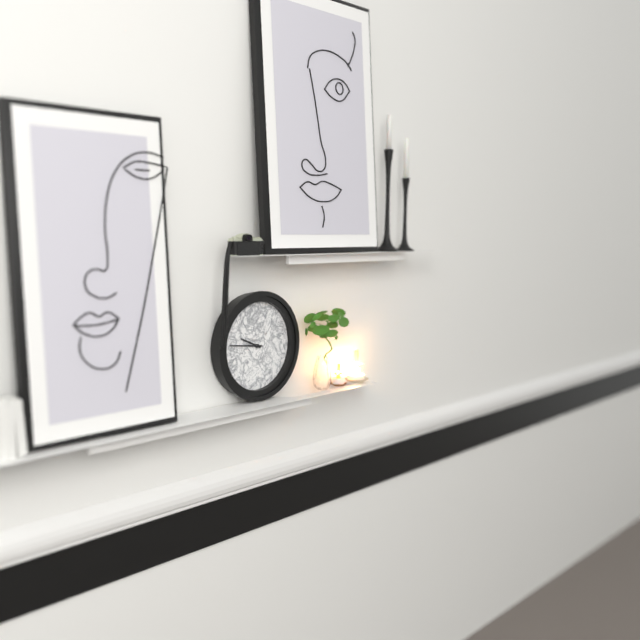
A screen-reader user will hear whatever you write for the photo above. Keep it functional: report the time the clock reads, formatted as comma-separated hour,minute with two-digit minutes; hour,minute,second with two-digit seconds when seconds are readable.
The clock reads 9,46
